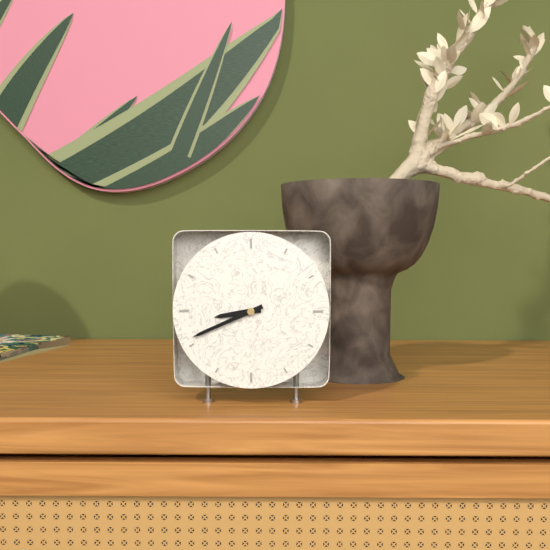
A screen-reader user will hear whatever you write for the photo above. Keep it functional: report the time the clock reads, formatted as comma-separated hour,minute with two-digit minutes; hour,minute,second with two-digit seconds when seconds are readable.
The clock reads 8,41
